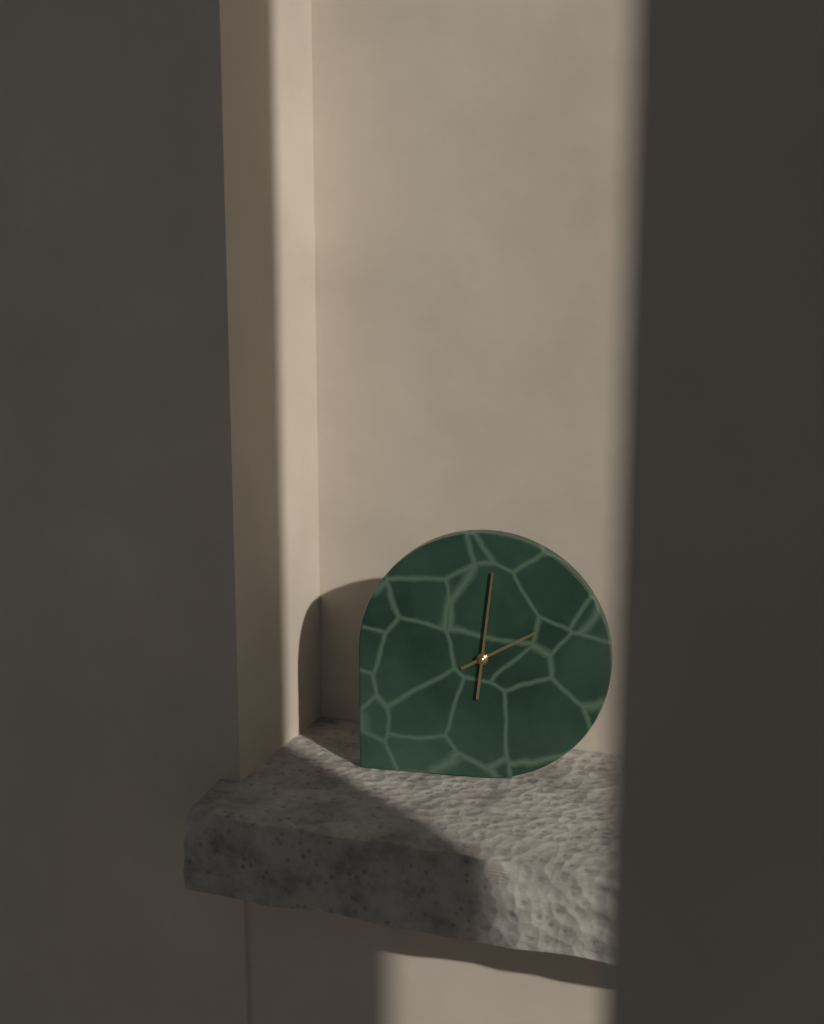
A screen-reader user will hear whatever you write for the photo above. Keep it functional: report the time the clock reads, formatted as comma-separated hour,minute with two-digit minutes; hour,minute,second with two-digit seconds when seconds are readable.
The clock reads 2,01
